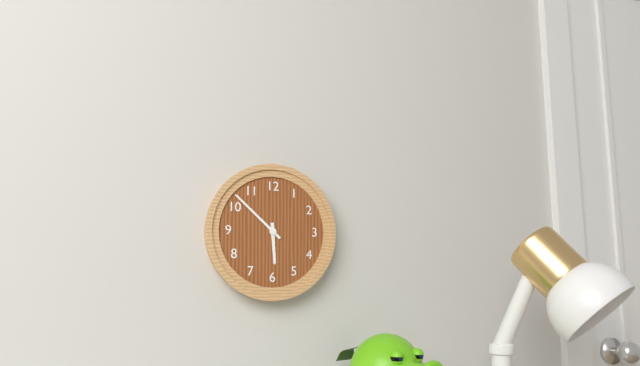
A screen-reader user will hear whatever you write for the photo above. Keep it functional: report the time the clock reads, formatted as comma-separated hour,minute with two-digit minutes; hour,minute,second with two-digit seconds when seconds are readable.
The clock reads 5,52
